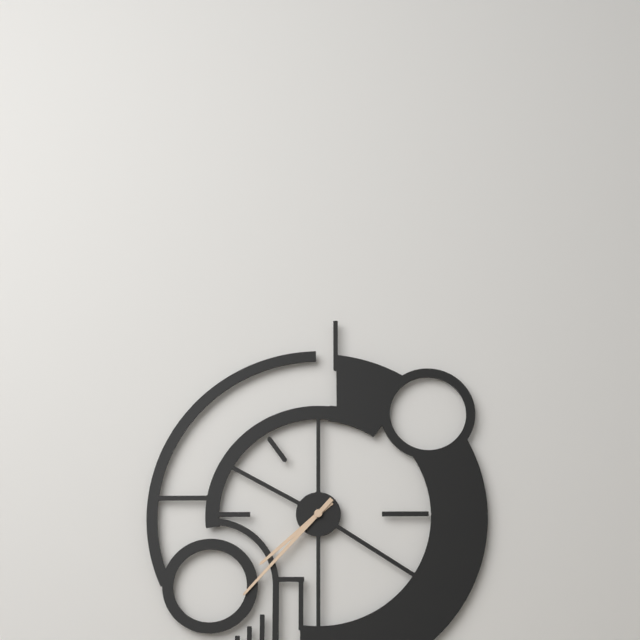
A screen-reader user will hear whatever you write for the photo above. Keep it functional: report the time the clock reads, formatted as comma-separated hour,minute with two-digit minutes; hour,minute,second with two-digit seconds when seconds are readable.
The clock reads 7,37
